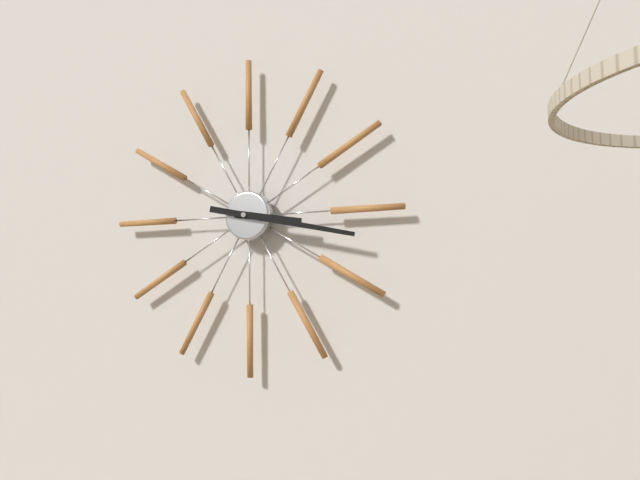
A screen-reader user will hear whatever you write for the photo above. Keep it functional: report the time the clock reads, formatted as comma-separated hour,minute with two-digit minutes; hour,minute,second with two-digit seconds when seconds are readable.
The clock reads 3,17
